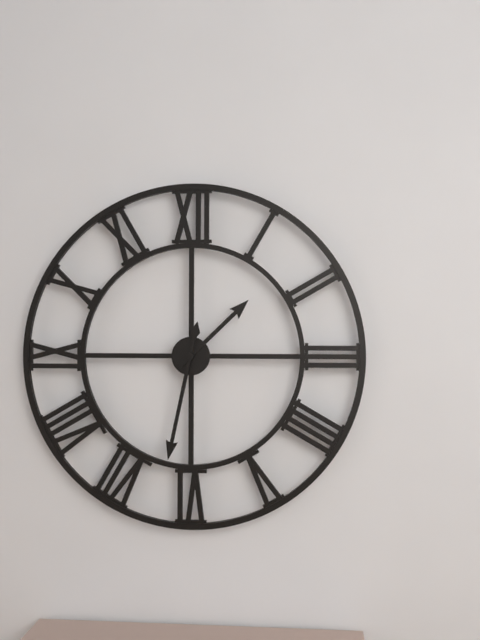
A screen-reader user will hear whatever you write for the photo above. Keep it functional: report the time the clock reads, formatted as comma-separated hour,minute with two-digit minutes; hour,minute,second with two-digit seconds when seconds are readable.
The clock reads 1,32
